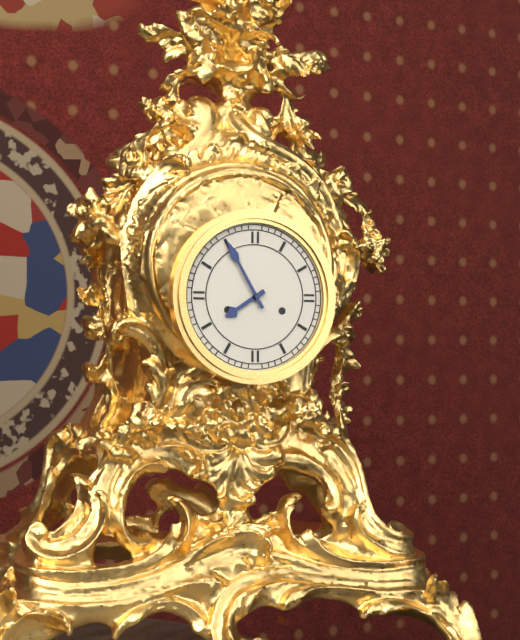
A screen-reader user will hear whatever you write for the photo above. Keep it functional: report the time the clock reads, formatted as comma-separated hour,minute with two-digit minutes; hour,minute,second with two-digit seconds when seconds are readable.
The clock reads 7,55
